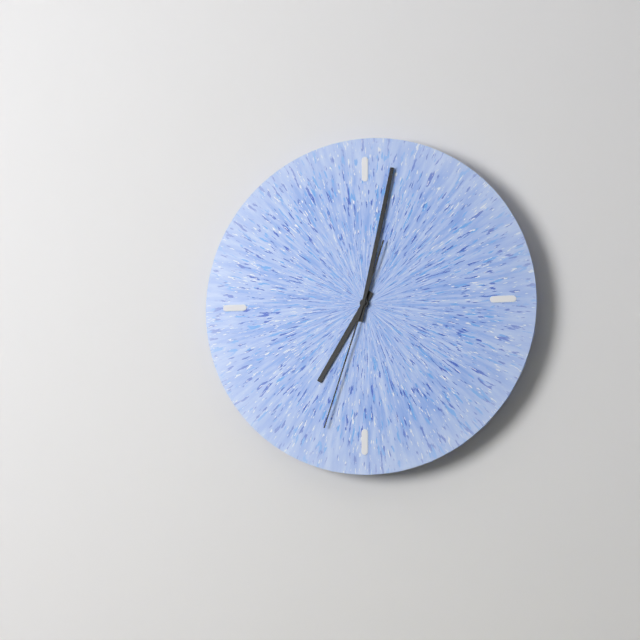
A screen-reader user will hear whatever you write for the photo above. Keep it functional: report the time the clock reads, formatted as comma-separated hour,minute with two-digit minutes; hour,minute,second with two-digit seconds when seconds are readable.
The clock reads 7,02,33
